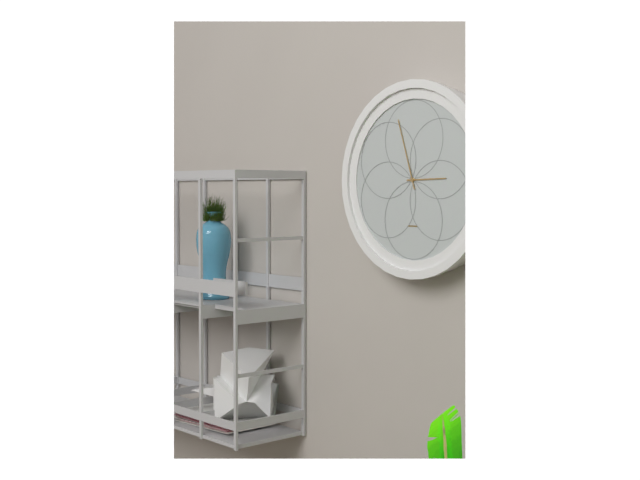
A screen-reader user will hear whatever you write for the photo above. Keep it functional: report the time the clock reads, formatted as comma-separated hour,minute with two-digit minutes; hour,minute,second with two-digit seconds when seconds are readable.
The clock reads 2,57
